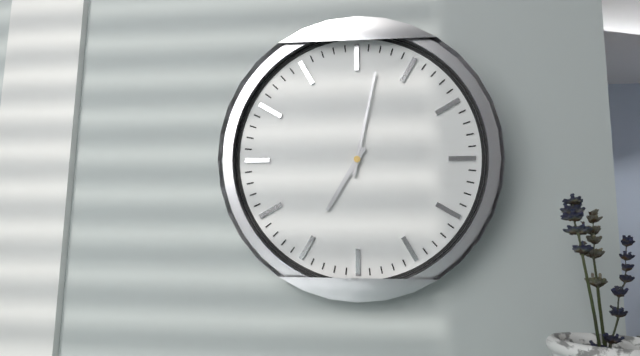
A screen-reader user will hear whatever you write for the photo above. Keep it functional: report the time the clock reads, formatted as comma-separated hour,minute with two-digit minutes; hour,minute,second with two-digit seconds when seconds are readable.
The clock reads 7,02
